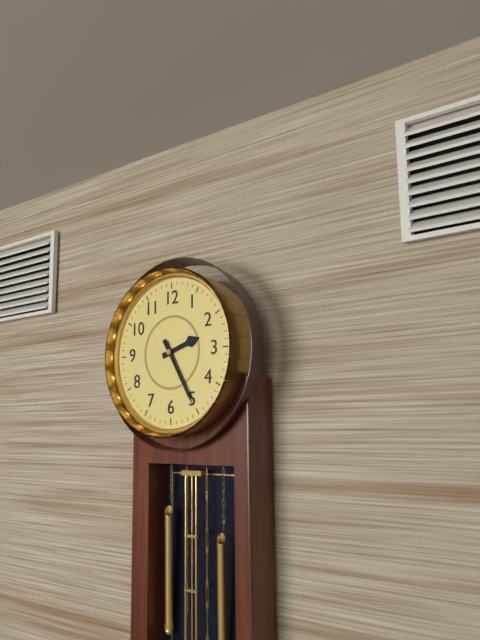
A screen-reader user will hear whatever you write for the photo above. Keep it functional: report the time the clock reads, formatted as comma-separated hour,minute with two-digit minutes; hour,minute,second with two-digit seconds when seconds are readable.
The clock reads 2,25
